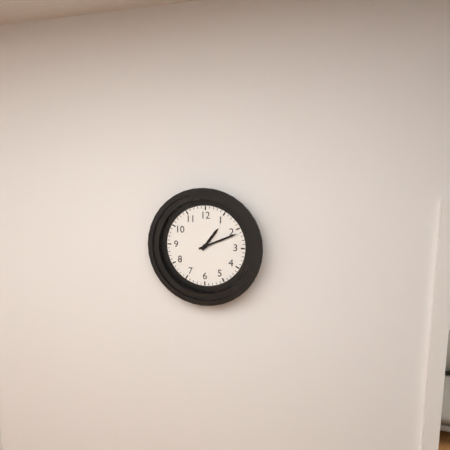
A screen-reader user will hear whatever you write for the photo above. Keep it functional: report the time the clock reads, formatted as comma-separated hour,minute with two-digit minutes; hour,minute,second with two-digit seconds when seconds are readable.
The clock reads 1,11
